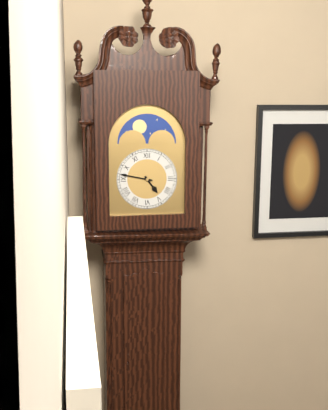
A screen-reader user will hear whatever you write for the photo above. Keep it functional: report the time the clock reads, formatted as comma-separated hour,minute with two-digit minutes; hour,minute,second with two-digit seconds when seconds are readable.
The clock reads 4,47
